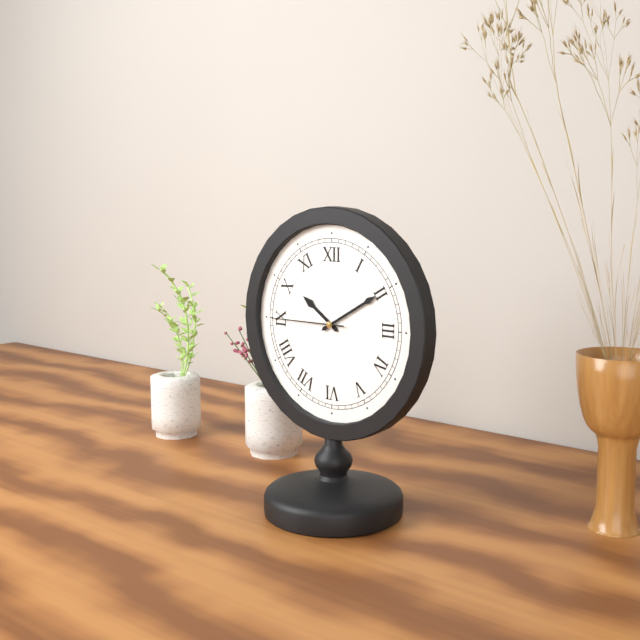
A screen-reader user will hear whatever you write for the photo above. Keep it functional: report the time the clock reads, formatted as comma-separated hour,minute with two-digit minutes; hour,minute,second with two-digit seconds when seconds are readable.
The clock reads 10,10,45
